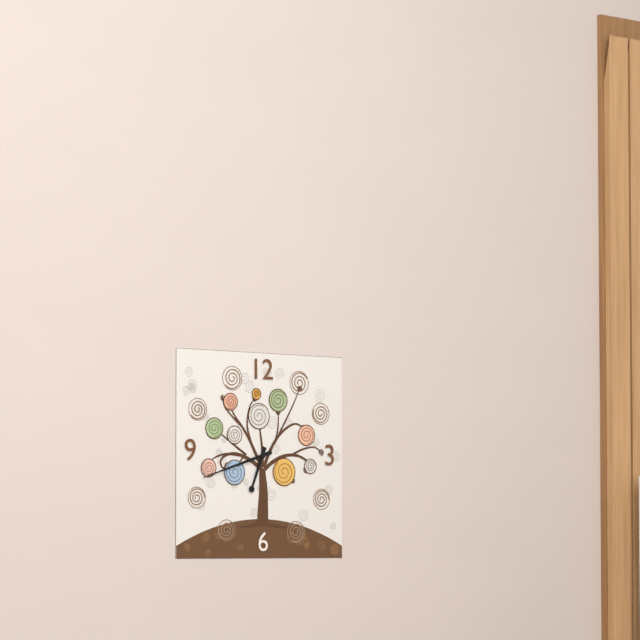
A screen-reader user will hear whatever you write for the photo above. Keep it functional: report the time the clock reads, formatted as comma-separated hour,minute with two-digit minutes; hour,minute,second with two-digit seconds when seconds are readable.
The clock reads 6,42
